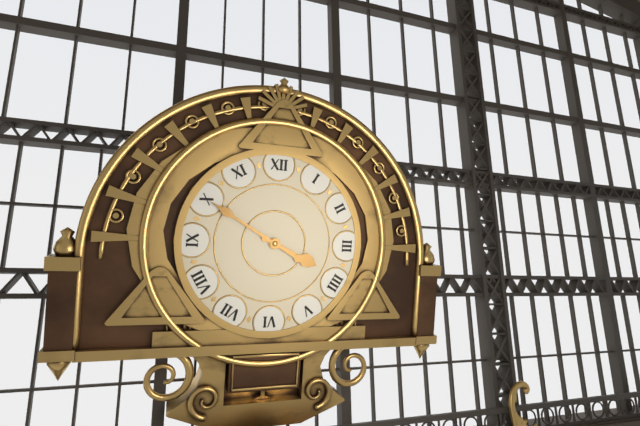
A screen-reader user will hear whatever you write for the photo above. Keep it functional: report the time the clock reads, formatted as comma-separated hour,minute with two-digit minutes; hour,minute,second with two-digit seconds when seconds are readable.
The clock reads 3,50
